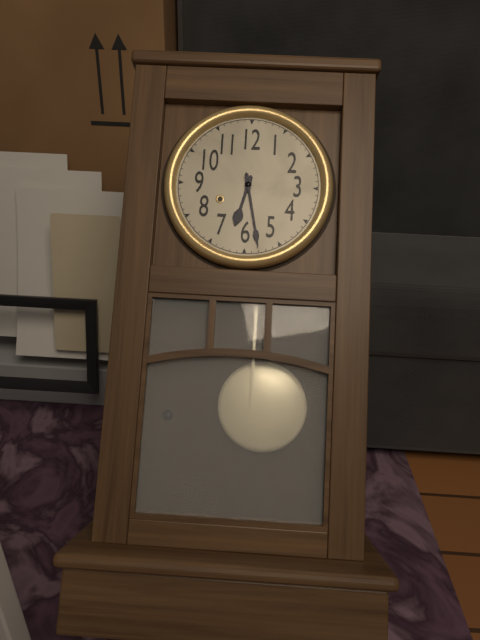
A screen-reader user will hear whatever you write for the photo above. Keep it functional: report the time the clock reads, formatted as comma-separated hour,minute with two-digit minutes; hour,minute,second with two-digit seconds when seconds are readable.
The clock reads 6,28
